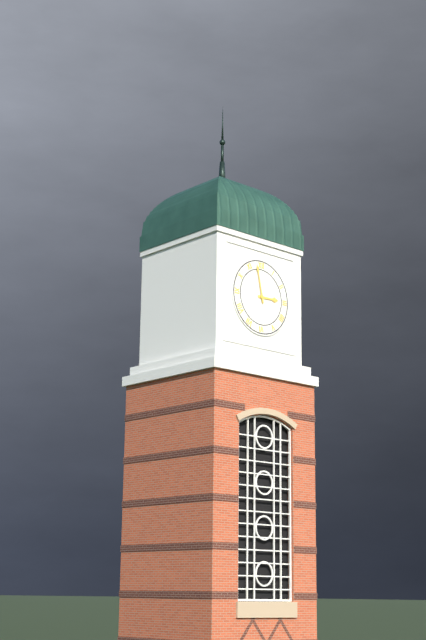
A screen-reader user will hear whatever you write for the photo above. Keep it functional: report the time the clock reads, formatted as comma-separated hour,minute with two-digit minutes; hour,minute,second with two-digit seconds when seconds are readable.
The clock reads 2,58
